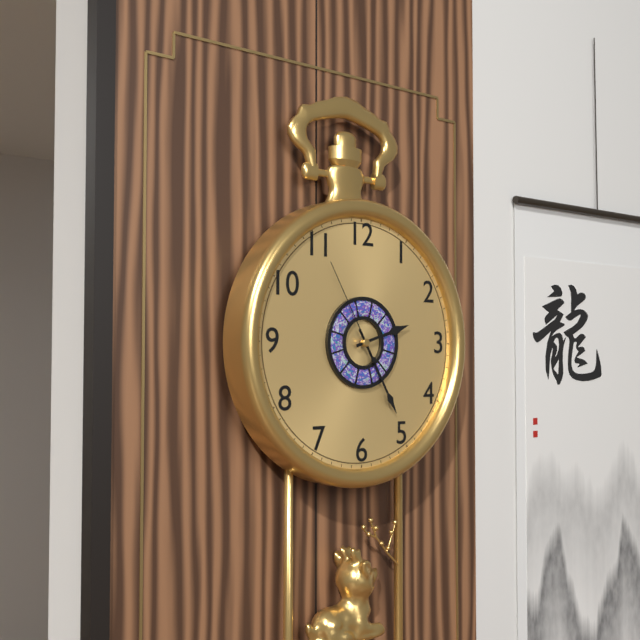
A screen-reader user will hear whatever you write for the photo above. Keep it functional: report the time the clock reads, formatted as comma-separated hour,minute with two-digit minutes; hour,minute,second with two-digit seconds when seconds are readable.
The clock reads 2,25,55
